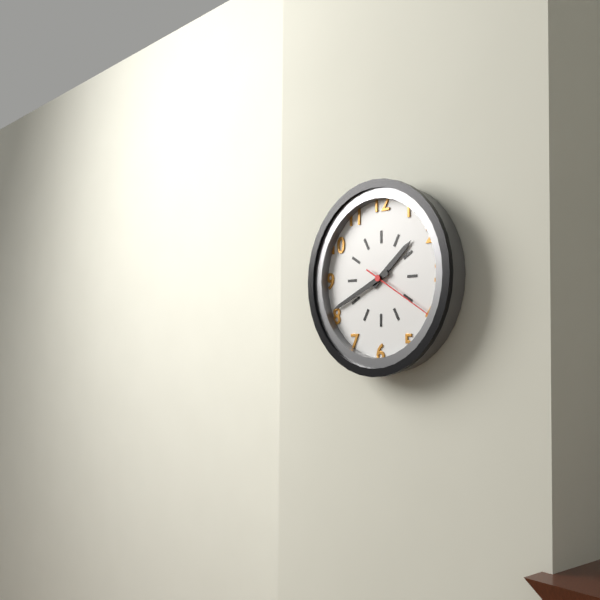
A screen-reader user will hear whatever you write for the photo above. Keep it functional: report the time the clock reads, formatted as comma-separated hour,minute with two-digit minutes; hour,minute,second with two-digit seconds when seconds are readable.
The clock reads 1,41,20
